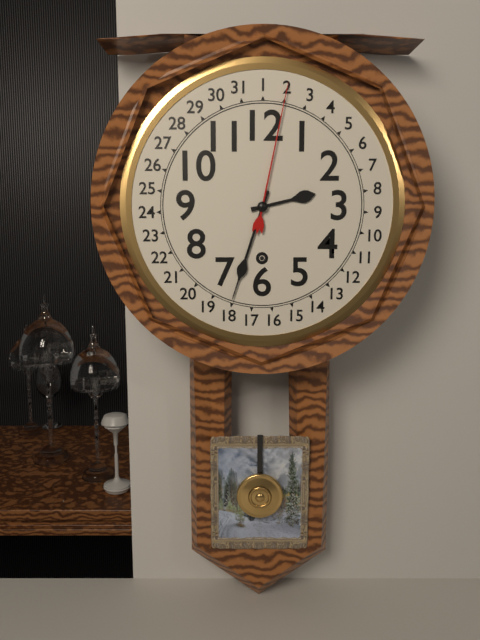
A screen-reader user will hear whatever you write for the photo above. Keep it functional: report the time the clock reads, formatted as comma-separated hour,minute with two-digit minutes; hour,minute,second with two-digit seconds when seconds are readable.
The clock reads 2,33
